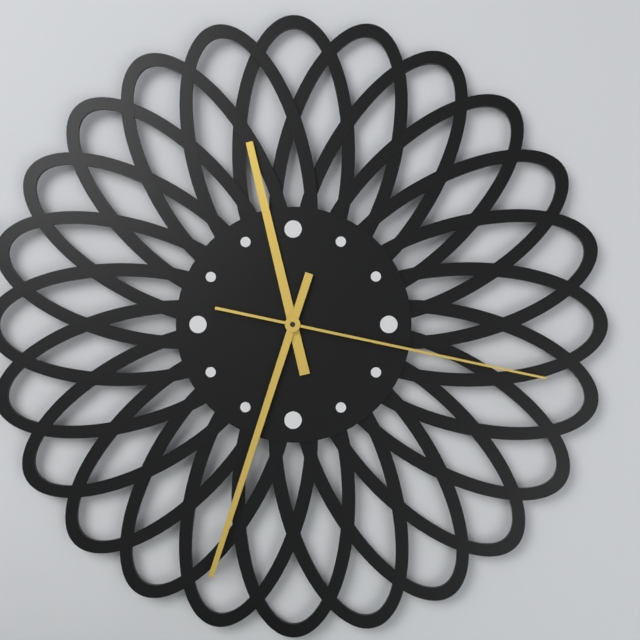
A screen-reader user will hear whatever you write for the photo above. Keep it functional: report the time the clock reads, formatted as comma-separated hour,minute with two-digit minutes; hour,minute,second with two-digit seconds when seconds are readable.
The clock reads 11,33,17
